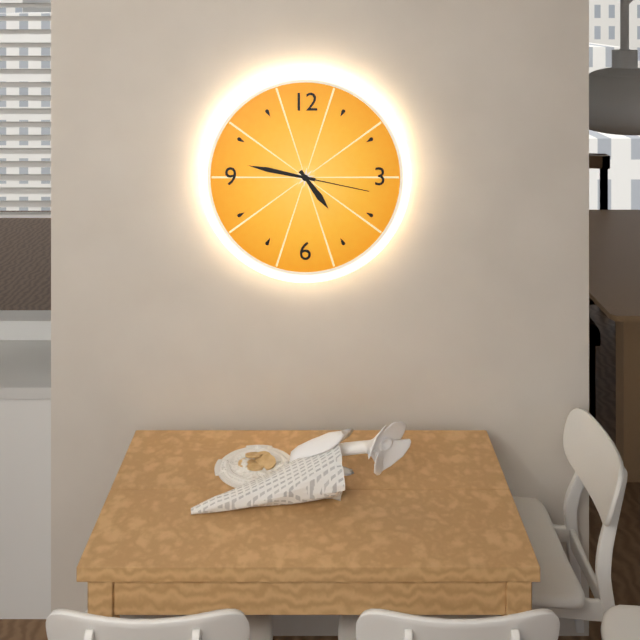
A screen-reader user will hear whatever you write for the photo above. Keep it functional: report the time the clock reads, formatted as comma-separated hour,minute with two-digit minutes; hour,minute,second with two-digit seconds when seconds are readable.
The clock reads 4,47,17
